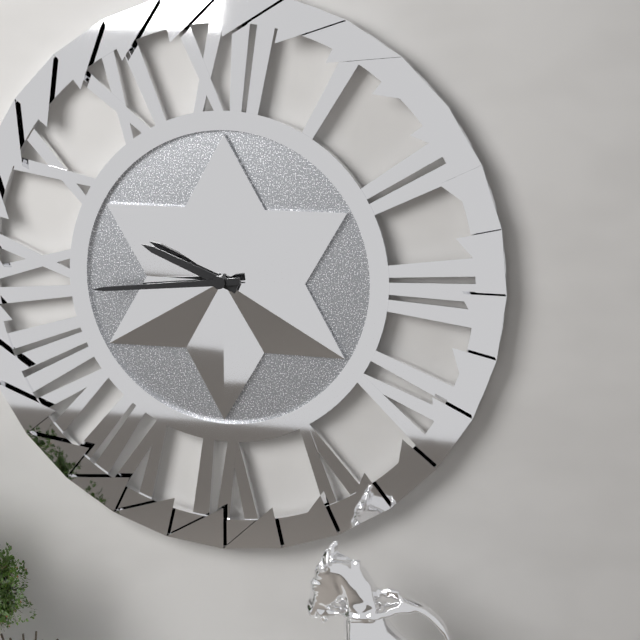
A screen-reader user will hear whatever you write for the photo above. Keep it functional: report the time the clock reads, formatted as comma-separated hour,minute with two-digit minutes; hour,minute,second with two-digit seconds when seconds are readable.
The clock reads 9,44
